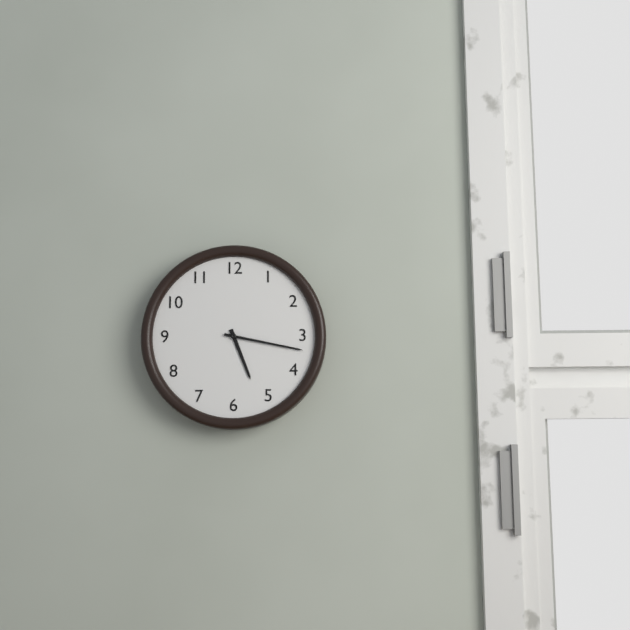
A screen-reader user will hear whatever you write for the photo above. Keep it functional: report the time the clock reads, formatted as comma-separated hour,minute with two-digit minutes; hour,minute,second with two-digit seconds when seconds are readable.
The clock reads 5,17
